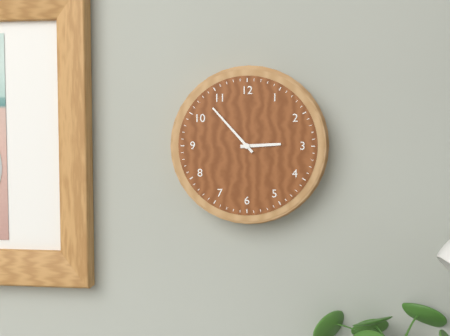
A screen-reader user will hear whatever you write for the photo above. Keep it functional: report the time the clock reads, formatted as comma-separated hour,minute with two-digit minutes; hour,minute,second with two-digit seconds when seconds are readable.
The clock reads 2,53
